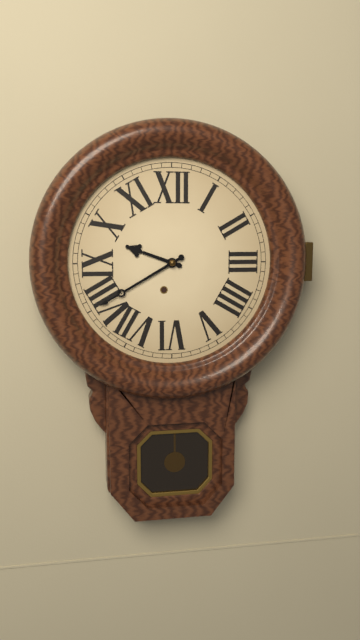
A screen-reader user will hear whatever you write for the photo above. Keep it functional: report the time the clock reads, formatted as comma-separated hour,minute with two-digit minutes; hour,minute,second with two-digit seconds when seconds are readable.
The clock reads 9,40
